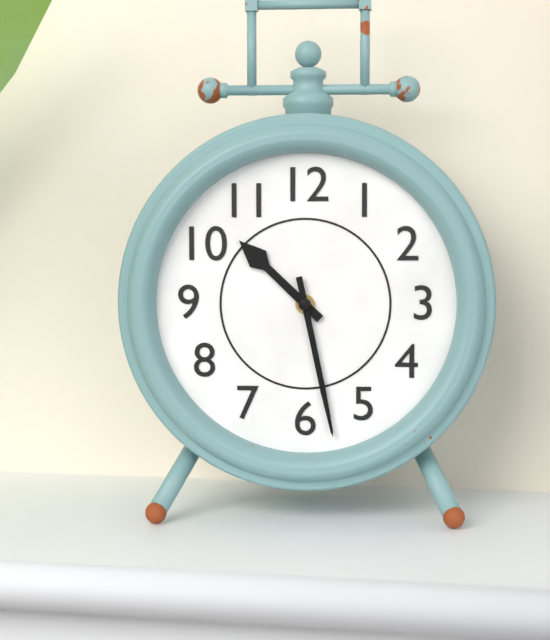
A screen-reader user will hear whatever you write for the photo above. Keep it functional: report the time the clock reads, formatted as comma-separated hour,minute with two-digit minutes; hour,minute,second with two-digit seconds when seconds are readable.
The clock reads 10,28
